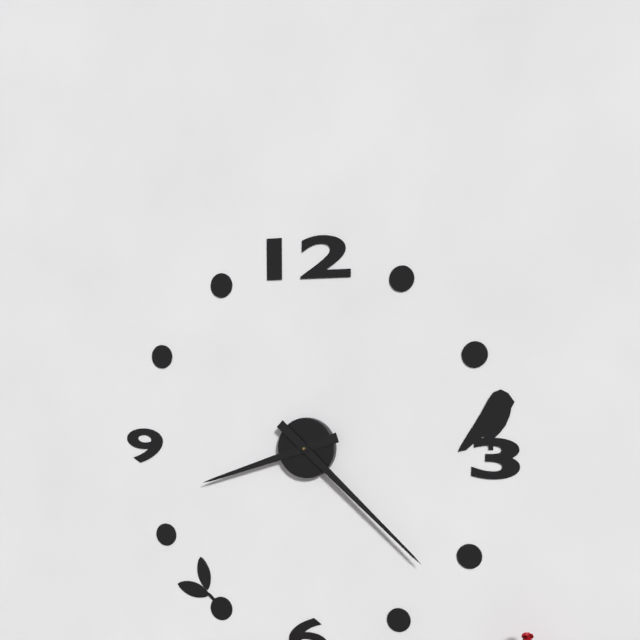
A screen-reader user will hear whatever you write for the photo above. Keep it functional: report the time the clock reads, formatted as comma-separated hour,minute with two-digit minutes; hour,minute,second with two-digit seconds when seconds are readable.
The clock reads 8,22
